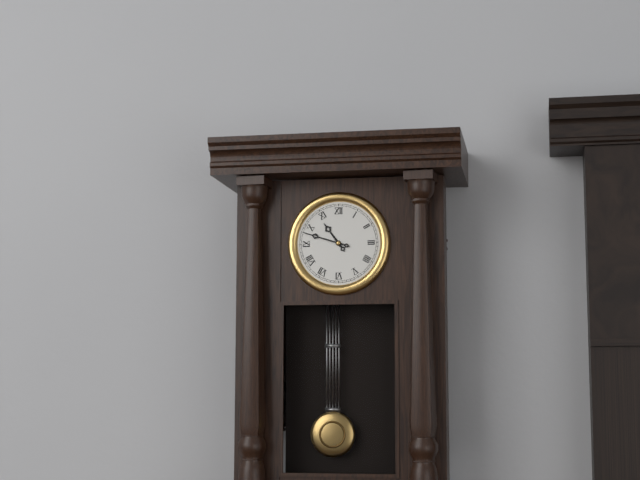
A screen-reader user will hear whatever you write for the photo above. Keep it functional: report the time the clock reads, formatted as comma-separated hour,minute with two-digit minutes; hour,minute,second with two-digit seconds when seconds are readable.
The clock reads 10,48
